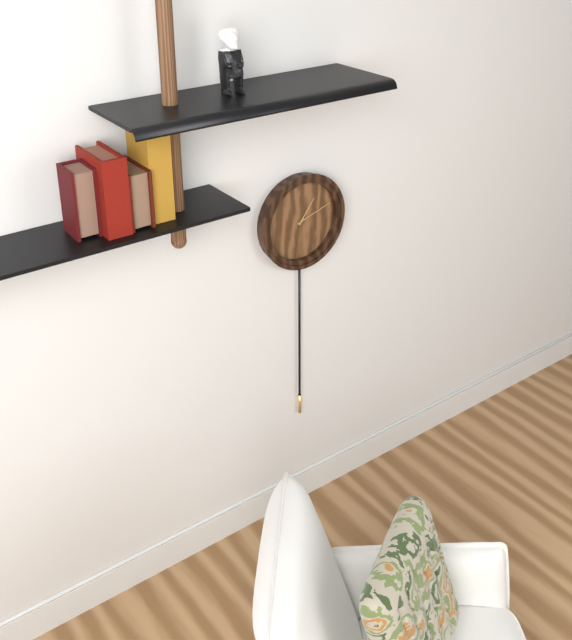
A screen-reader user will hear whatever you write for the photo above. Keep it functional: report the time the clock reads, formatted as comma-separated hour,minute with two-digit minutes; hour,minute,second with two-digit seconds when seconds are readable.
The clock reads 1,12
